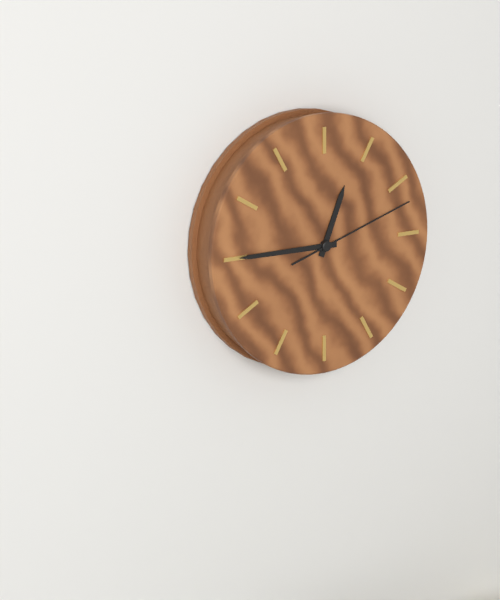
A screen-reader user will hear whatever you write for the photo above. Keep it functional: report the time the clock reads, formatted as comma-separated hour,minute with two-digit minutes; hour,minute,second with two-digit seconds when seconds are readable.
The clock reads 12,45,12
